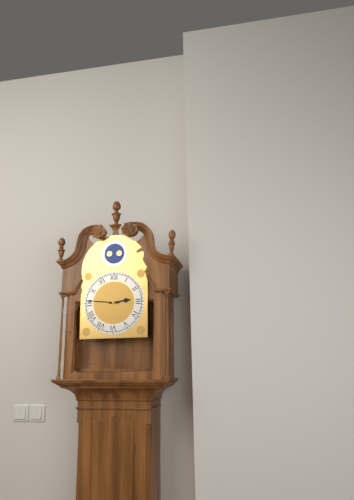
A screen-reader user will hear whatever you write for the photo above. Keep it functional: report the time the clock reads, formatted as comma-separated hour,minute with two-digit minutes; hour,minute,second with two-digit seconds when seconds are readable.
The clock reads 2,46
